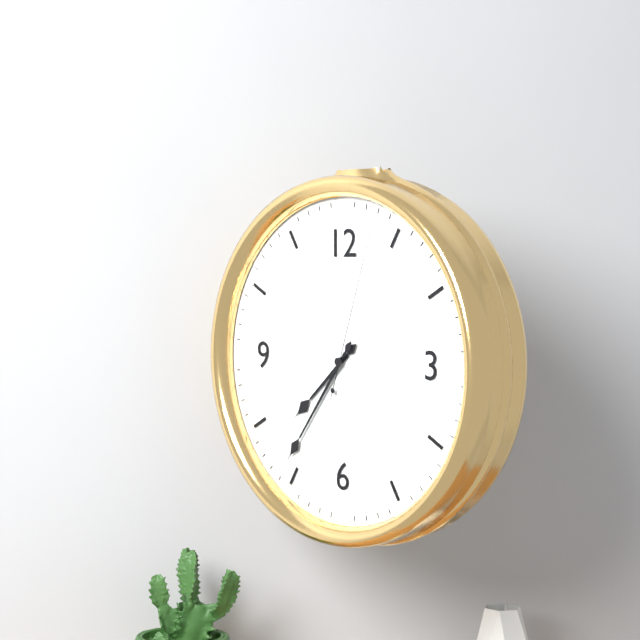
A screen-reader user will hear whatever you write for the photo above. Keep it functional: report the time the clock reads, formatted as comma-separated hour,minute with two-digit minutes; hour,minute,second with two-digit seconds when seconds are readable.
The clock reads 7,36,03
